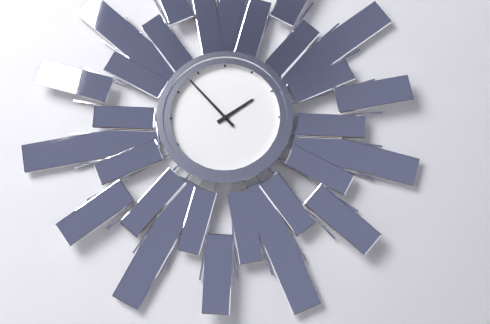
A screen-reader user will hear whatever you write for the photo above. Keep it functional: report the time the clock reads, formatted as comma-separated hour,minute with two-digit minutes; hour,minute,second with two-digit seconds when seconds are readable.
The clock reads 1,53
